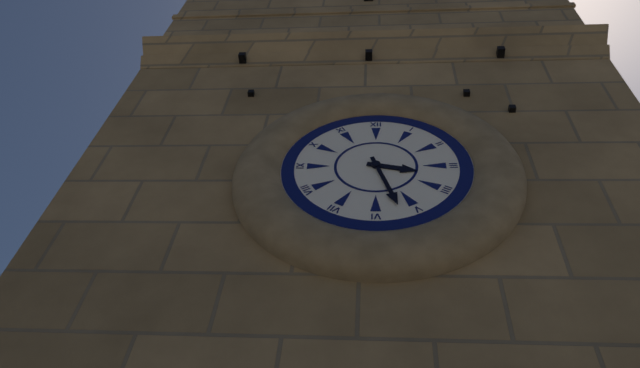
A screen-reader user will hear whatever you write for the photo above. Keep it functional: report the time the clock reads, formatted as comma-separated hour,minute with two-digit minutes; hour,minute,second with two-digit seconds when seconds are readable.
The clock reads 3,27
